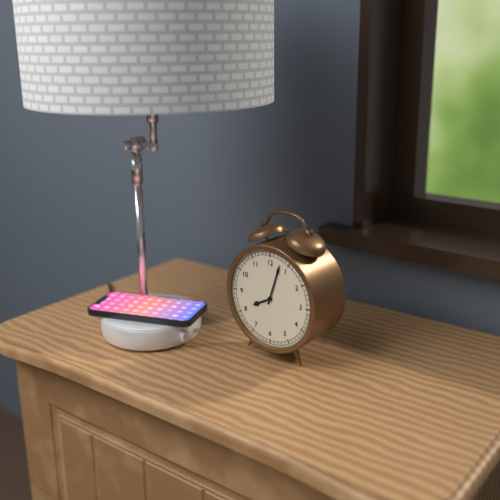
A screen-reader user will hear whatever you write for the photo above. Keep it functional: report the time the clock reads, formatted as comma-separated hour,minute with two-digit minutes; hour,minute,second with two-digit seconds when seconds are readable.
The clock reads 8,03
